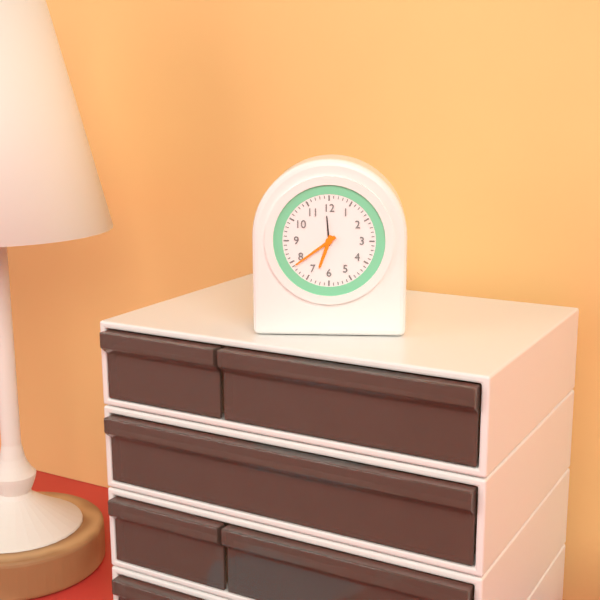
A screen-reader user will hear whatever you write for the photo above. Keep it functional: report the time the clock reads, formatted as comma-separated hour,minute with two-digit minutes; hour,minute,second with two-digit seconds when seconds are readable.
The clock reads 6,39
